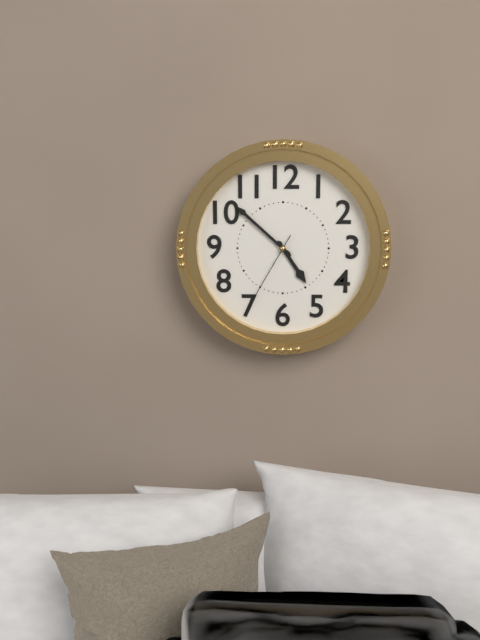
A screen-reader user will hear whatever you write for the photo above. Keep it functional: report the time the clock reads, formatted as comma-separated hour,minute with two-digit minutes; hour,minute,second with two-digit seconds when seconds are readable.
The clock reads 4,52,35
